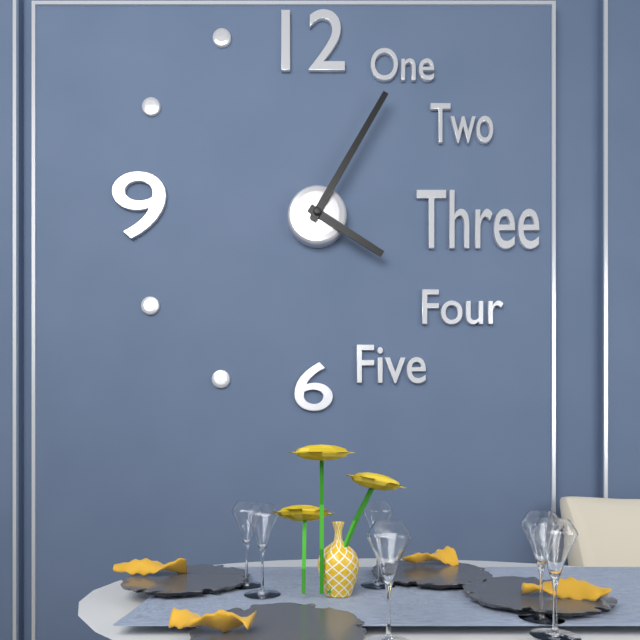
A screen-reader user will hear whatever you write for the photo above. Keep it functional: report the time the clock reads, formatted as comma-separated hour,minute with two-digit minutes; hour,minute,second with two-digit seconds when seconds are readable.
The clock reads 4,05
